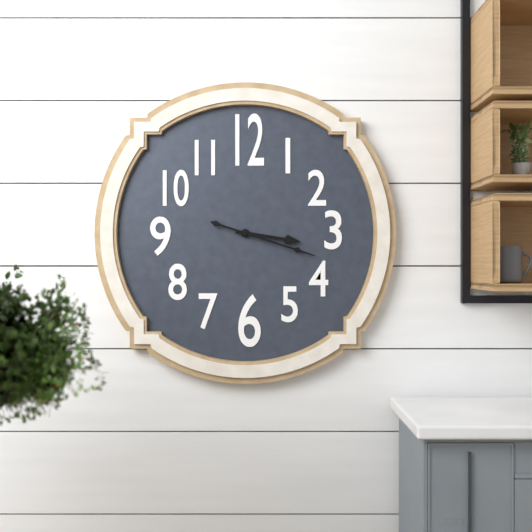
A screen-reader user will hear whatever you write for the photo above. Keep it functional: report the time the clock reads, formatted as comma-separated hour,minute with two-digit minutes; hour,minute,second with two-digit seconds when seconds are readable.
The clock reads 3,18
